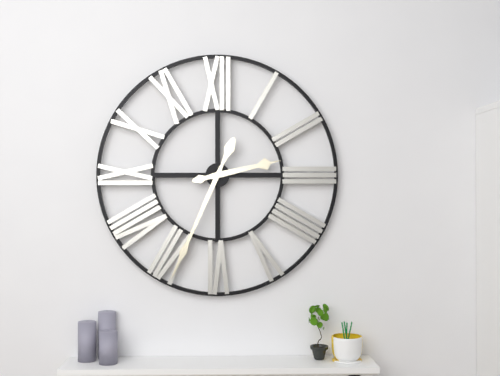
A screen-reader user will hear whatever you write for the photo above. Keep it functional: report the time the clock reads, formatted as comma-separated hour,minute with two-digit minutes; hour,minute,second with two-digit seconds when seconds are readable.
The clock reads 2,34
